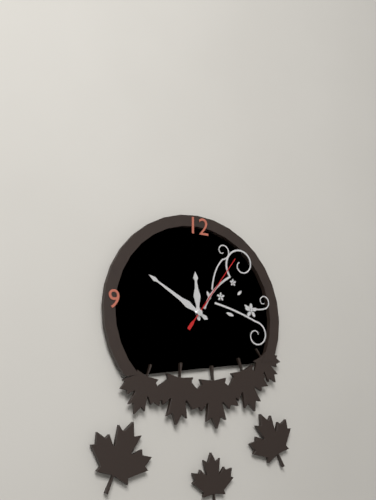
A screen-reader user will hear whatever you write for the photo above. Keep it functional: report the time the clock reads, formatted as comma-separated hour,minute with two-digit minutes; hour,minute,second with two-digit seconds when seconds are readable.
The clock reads 11,50,06
